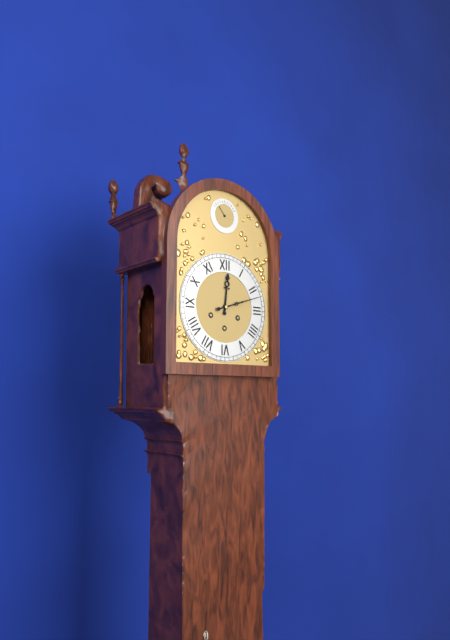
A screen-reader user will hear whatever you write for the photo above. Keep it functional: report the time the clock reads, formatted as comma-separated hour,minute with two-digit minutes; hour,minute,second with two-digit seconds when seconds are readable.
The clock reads 12,12
